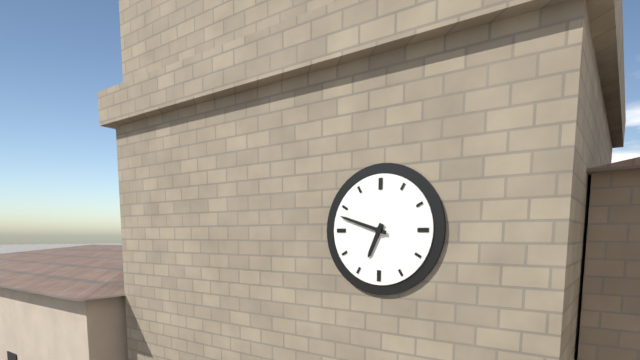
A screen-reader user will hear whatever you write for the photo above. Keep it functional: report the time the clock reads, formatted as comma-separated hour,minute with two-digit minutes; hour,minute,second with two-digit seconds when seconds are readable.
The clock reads 6,48
